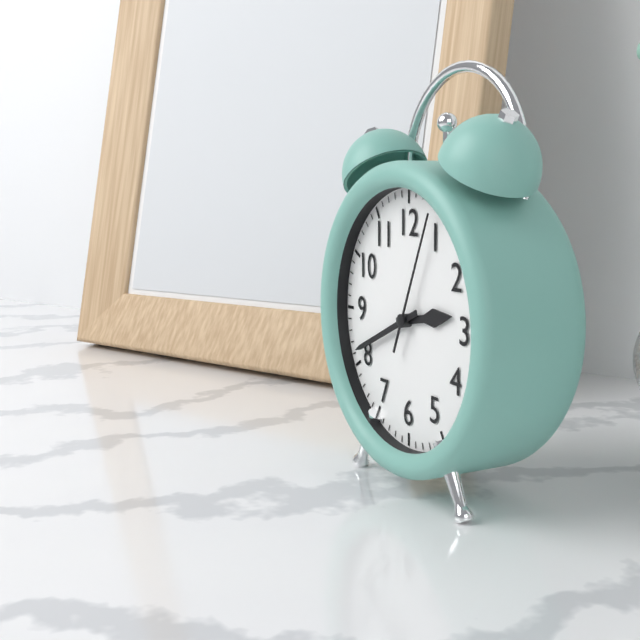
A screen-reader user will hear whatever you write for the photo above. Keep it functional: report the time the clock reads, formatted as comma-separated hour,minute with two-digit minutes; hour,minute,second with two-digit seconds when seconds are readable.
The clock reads 2,41,04
